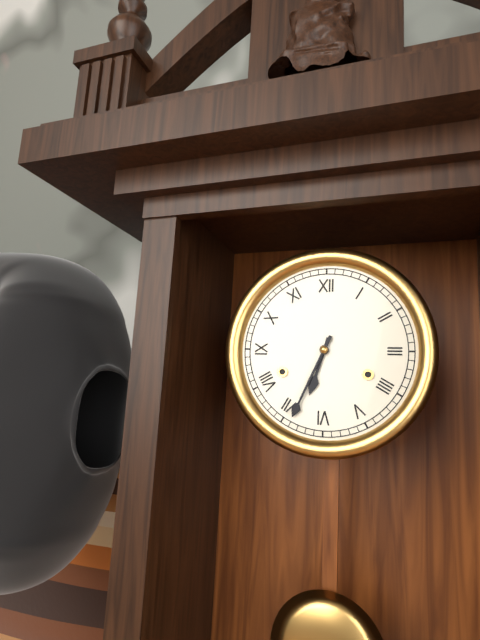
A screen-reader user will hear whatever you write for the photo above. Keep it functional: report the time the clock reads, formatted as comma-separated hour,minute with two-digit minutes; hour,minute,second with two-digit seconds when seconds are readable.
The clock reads 6,34
